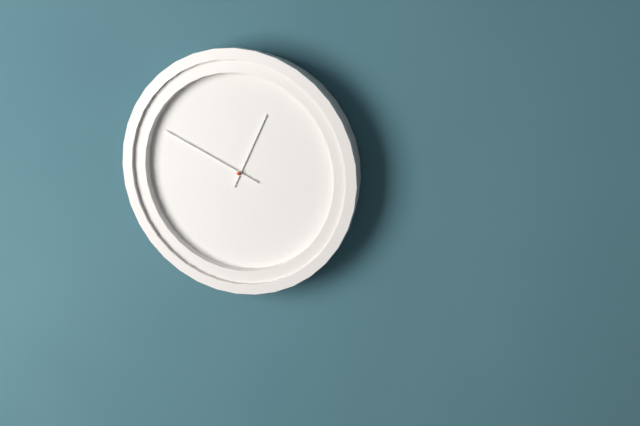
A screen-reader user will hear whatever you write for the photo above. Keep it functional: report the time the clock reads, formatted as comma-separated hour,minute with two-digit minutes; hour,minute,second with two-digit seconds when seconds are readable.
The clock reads 12,49
